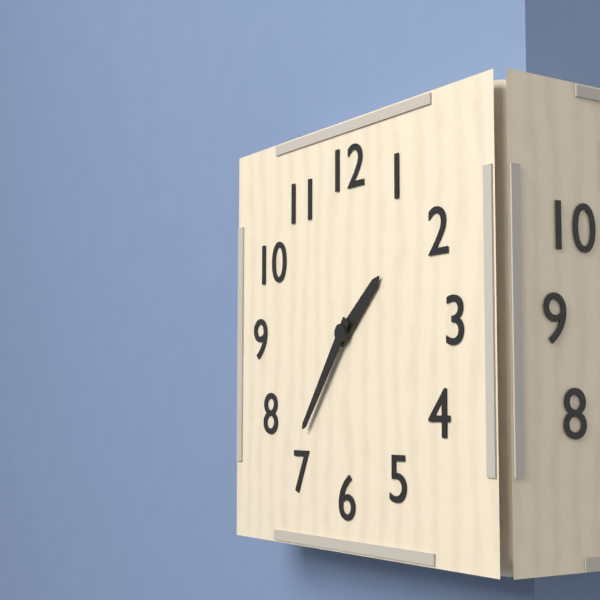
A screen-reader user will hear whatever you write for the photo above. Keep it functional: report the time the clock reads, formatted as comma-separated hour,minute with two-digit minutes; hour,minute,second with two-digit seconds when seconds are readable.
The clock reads 1,36
